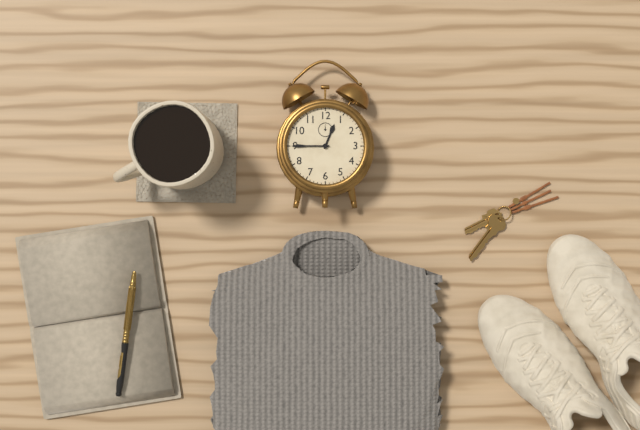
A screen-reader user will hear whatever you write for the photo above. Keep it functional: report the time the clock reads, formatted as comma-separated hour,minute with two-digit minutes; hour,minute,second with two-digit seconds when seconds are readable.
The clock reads 12,45
